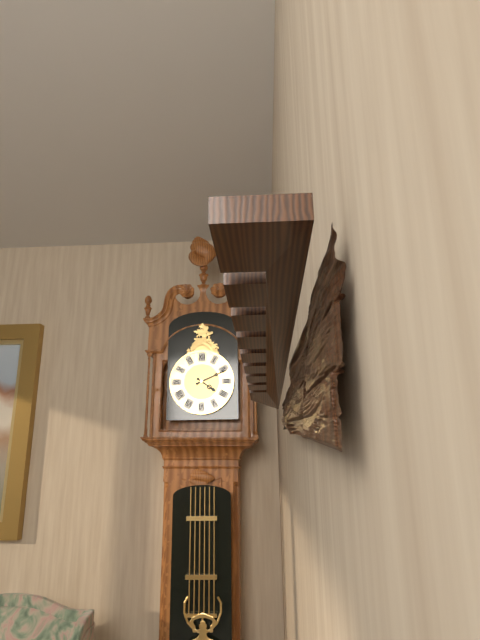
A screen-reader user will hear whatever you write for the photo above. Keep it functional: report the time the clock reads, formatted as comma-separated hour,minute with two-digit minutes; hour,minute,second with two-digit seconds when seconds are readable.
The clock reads 4,11
